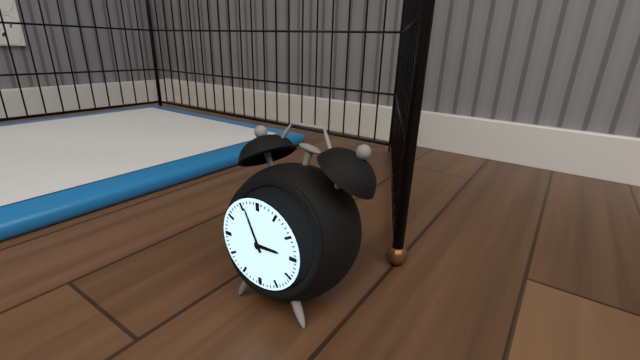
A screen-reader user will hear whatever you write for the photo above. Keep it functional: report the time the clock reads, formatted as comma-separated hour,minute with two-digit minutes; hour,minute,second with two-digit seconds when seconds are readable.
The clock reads 2,56
